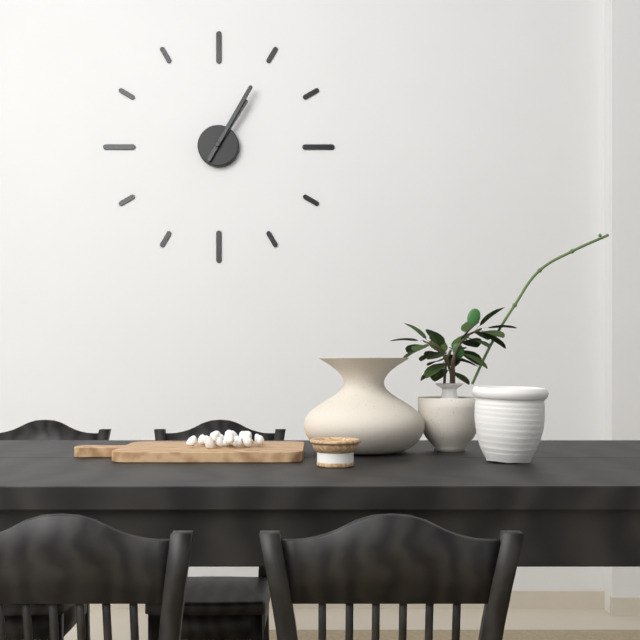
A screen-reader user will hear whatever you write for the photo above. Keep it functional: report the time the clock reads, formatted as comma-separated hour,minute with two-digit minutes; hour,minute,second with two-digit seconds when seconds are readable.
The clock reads 1,05
